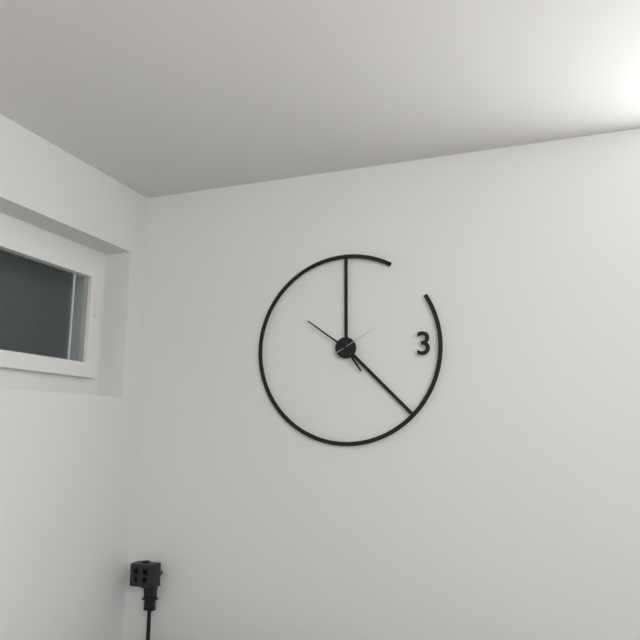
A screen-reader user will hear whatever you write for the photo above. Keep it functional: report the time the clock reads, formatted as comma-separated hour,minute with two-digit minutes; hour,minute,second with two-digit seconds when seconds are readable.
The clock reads 4,51
